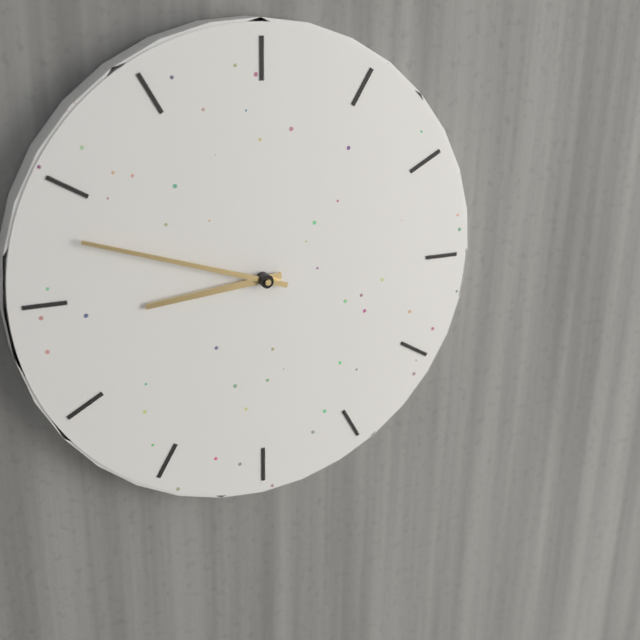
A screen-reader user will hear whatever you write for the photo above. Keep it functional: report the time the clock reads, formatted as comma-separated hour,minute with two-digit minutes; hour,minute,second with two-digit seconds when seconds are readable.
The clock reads 8,48
